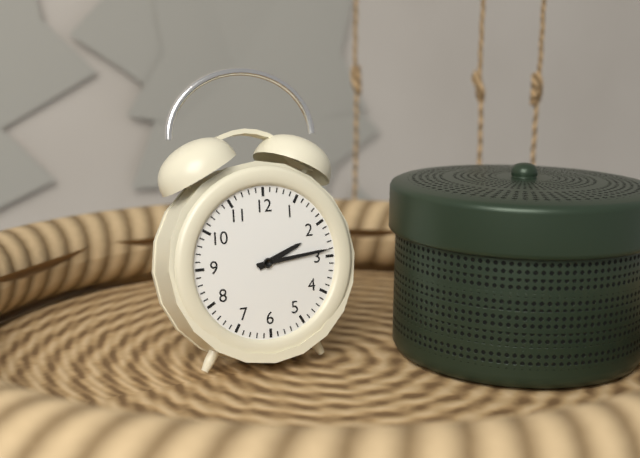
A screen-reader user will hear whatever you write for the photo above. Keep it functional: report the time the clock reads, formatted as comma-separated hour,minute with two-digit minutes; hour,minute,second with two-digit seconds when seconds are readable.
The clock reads 2,14
